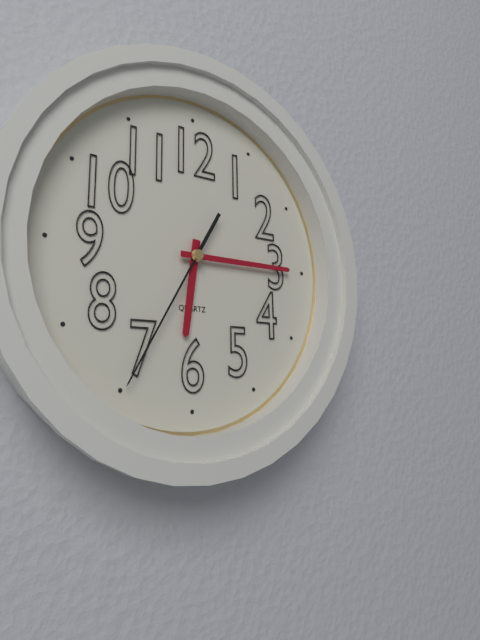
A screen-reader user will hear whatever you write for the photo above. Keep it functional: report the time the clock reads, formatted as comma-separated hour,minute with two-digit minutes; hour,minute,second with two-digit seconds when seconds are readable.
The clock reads 6,15,35
